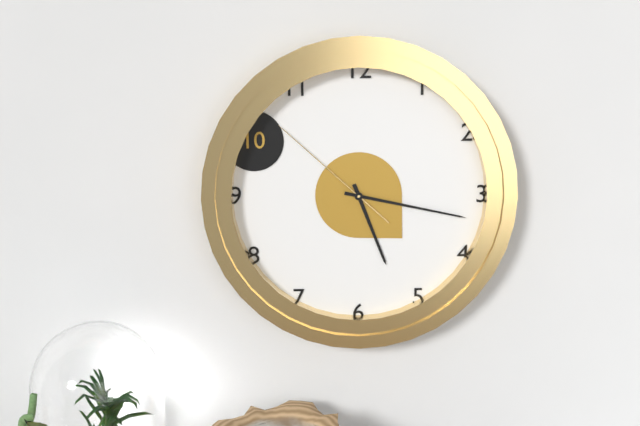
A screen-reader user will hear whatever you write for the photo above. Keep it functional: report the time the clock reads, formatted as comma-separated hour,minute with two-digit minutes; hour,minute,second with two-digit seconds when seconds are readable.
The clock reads 5,17,52
